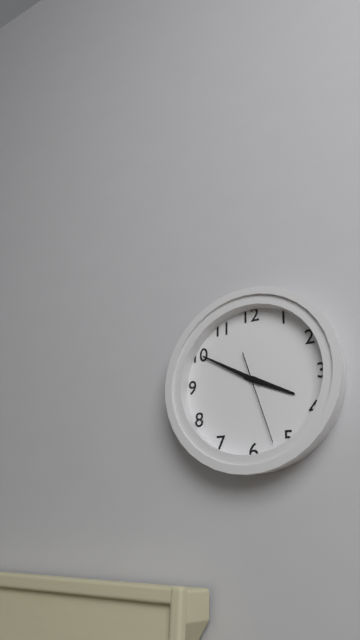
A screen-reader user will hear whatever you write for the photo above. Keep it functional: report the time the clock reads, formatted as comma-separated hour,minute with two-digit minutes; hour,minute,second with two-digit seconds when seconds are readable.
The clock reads 3,50,27
